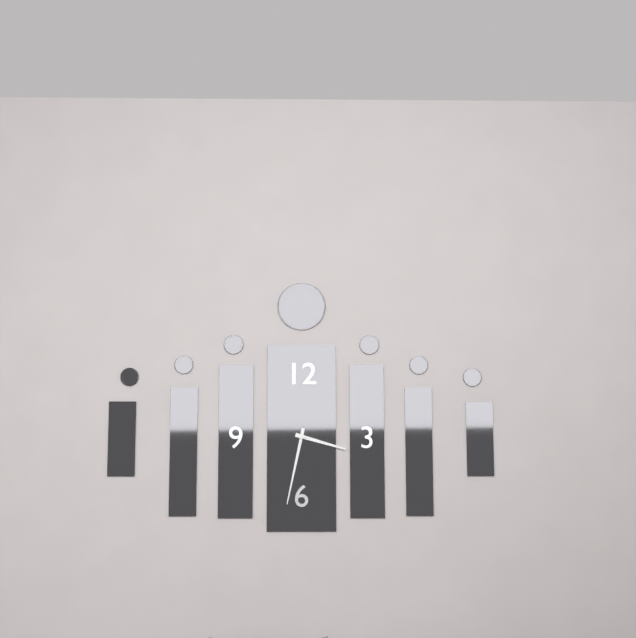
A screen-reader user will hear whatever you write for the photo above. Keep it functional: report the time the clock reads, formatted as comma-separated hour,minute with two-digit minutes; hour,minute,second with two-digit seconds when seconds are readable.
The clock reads 3,32
